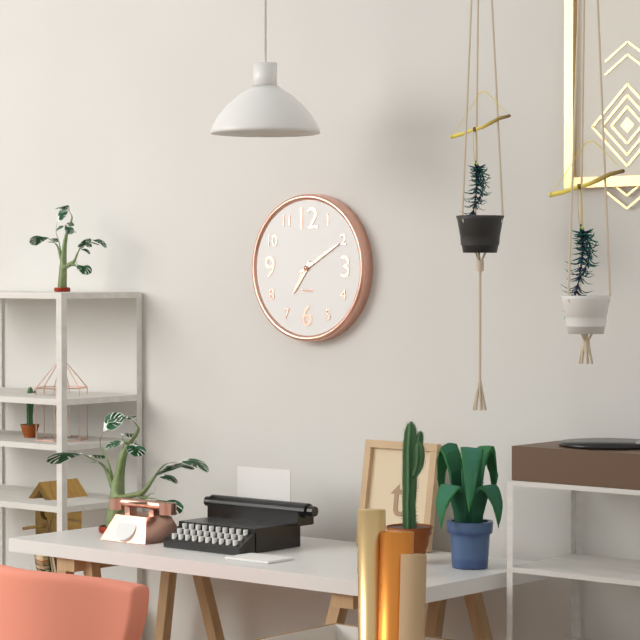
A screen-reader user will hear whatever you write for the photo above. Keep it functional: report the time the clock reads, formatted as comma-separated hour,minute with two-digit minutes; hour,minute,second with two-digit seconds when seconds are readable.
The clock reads 7,10
